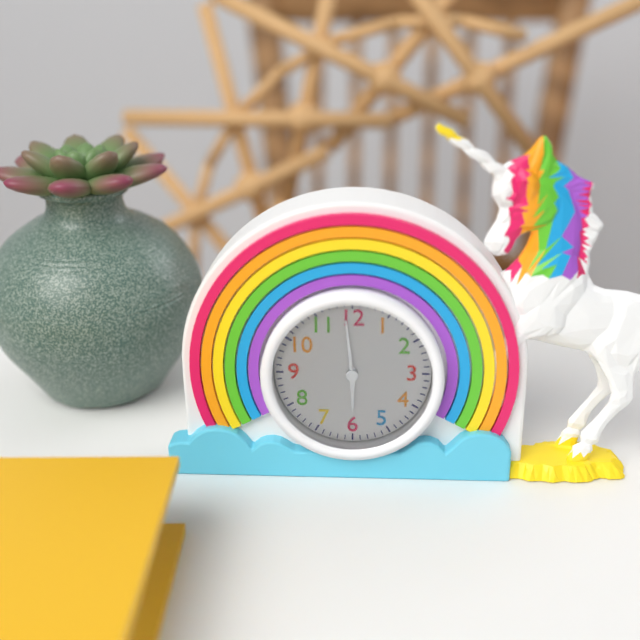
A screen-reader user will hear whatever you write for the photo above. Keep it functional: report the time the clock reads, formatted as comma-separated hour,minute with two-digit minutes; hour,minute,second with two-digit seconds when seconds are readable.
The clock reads 5,59
